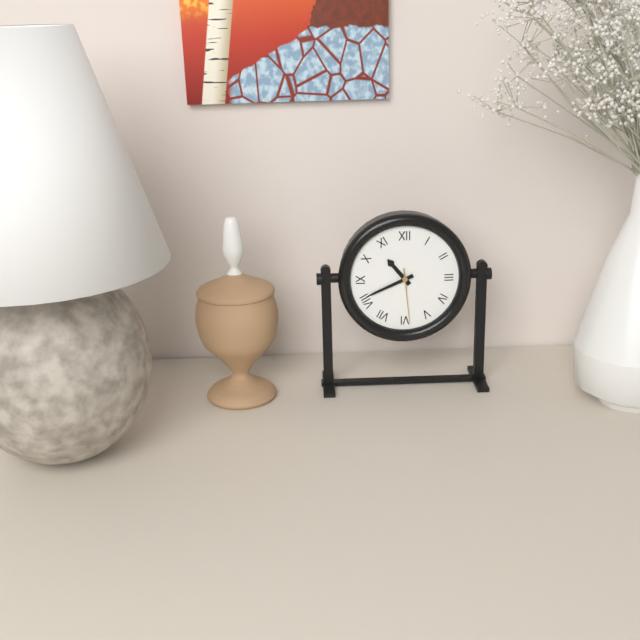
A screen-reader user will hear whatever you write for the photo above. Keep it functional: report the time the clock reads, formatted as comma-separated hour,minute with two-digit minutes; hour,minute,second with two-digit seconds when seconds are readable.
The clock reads 10,41,29
